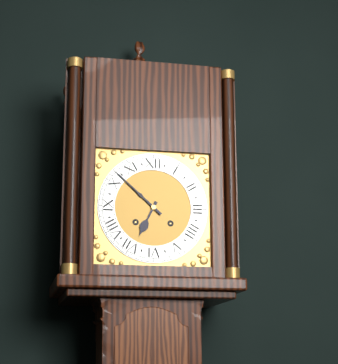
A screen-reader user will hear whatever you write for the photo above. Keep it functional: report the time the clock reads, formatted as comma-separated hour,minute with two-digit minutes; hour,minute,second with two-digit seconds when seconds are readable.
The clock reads 6,52
